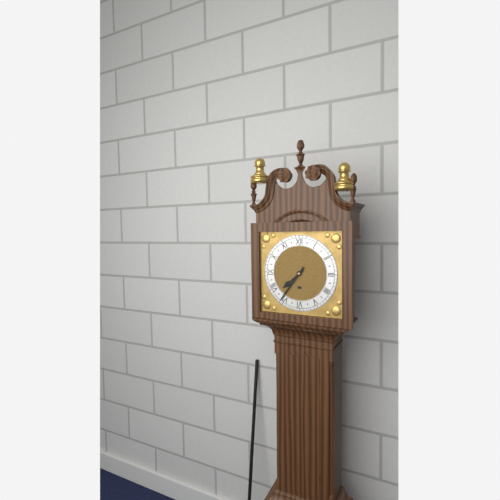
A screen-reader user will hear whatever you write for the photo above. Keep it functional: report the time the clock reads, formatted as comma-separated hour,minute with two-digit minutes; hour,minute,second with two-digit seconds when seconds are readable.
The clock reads 7,36
